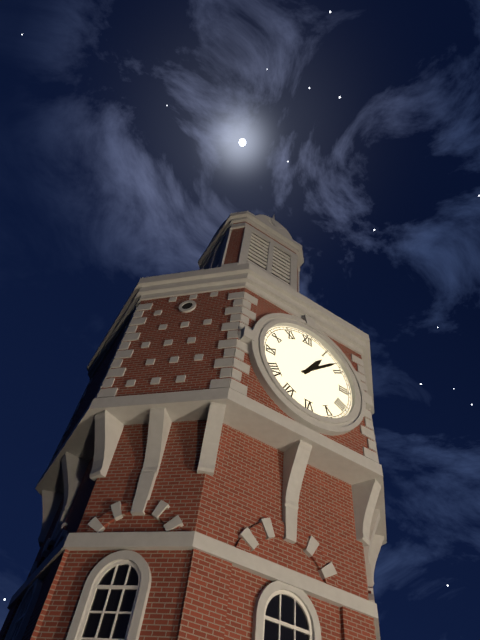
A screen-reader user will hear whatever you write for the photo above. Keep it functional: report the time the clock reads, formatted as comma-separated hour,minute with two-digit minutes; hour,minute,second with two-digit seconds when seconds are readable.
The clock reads 1,08
